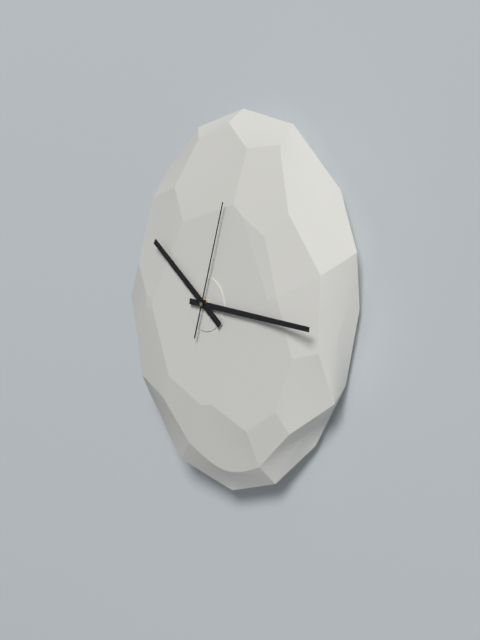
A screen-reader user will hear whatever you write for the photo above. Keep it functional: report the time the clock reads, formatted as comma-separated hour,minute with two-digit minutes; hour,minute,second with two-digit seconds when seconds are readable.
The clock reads 10,16,03
